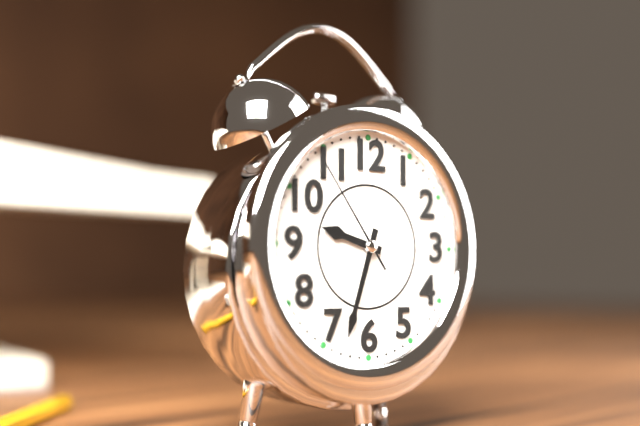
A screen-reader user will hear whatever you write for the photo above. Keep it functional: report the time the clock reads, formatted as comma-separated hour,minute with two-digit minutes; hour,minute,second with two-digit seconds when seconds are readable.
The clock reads 9,33,54
